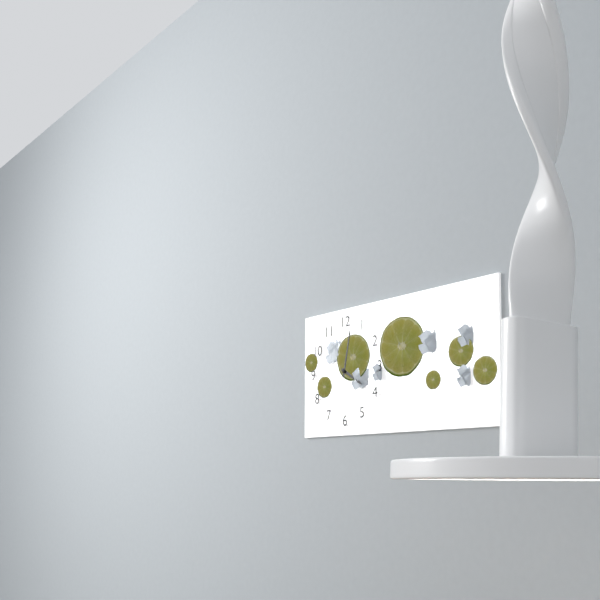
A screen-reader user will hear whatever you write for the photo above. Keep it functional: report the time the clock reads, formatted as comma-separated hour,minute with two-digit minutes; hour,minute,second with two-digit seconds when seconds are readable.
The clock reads 4,02
